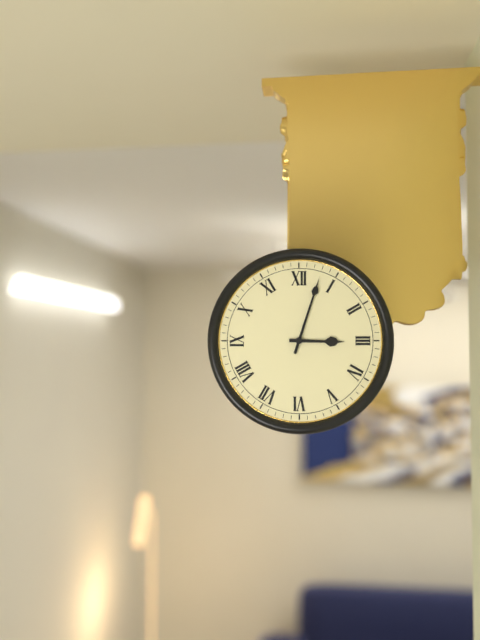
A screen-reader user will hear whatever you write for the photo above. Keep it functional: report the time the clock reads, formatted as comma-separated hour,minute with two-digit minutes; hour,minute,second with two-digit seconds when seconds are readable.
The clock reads 3,03
